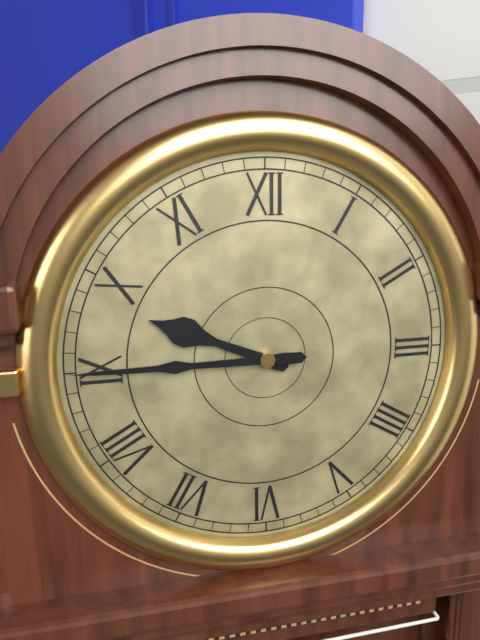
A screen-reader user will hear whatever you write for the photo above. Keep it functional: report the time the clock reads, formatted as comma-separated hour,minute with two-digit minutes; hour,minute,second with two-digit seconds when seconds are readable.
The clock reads 9,45
